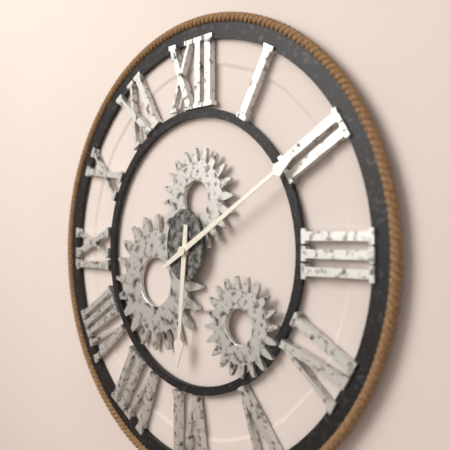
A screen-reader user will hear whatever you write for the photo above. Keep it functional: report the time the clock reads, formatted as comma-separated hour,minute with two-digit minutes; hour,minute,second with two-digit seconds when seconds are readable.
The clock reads 6,10
